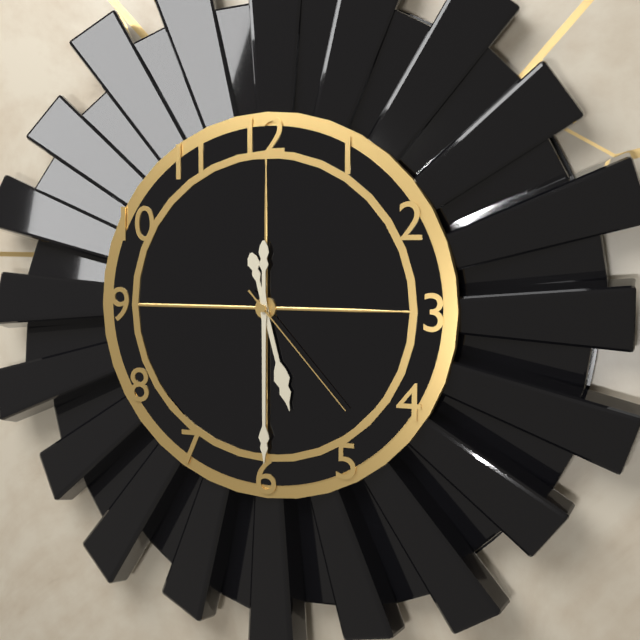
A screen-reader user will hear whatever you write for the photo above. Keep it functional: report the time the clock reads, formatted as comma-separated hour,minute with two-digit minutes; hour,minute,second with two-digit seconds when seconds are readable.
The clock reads 5,30,23
